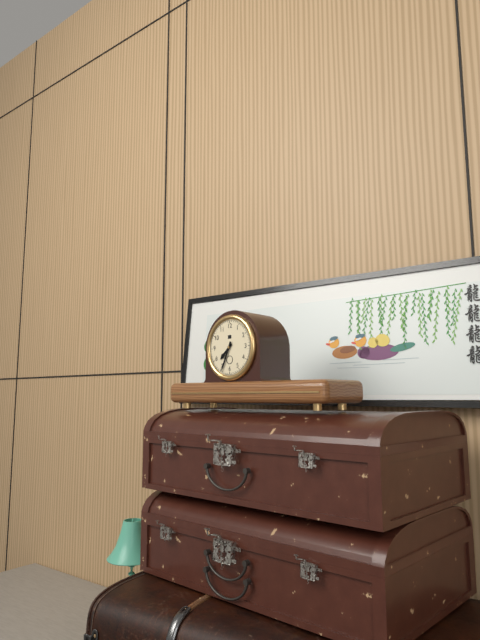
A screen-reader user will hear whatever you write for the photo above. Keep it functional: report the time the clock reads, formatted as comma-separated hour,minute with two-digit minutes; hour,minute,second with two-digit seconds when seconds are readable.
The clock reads 7,34
